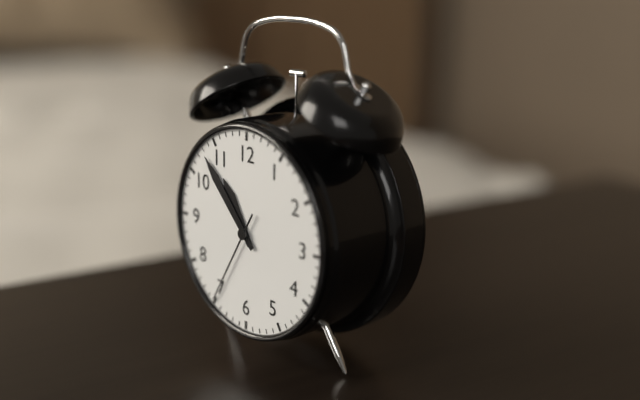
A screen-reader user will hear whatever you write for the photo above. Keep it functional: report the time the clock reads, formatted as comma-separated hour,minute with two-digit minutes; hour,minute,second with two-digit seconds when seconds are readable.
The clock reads 10,53,35
